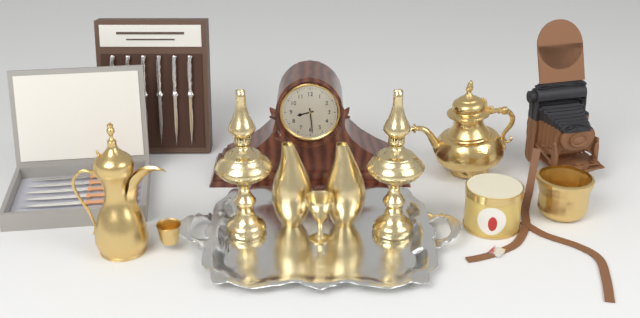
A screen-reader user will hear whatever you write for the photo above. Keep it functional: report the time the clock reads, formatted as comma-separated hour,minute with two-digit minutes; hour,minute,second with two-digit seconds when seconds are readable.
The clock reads 8,29
